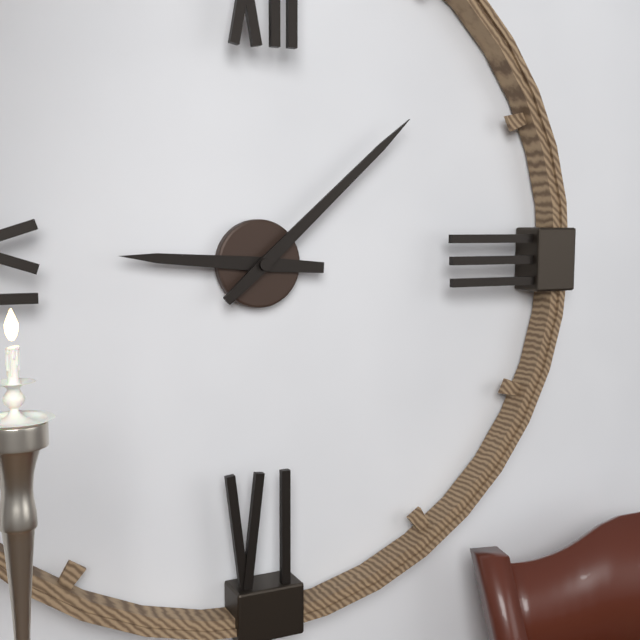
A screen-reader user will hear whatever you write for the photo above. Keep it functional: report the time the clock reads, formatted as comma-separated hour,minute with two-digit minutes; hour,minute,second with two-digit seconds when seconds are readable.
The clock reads 9,08
